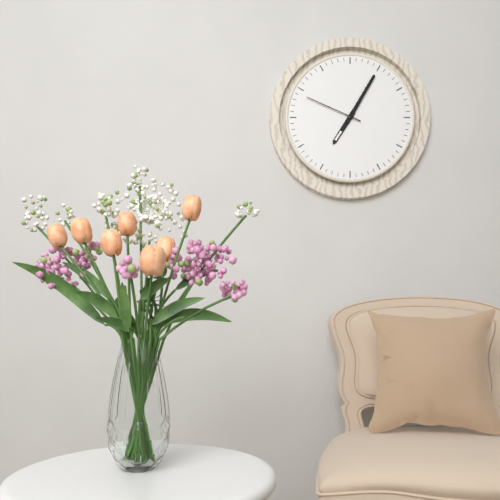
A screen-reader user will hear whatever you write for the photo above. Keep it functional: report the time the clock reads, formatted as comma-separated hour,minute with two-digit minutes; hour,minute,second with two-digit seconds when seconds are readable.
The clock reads 7,05,49
